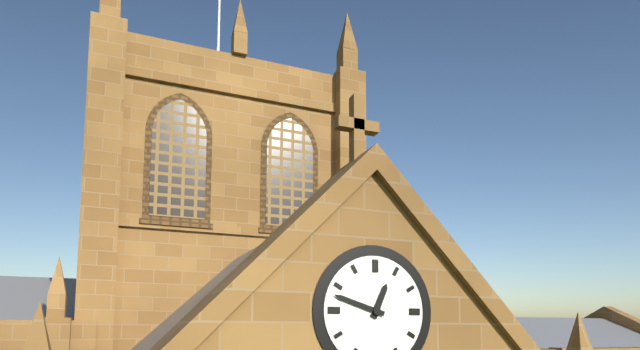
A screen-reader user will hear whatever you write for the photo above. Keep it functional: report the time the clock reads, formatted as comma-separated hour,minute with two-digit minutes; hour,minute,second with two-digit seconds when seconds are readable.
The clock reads 12,48
